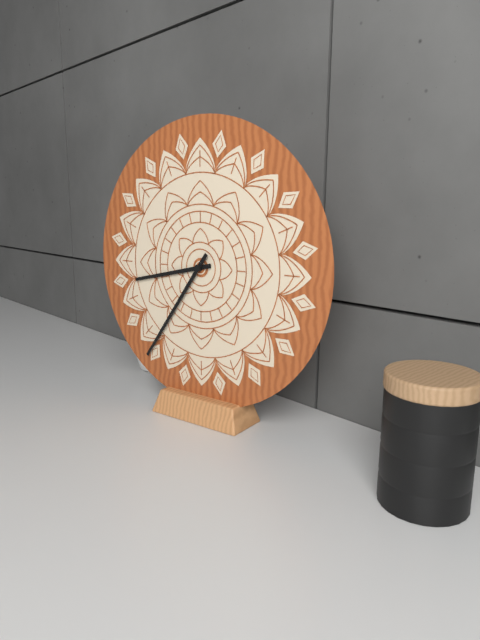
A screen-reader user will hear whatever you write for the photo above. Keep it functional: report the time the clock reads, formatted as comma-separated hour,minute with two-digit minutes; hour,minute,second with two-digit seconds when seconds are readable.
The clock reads 8,36
